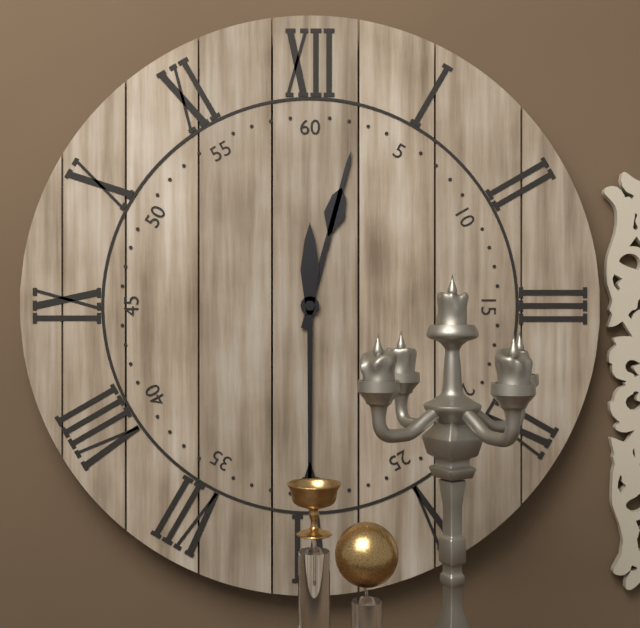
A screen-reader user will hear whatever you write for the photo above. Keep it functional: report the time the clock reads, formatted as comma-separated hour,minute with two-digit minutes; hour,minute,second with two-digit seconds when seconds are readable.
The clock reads 12,30
